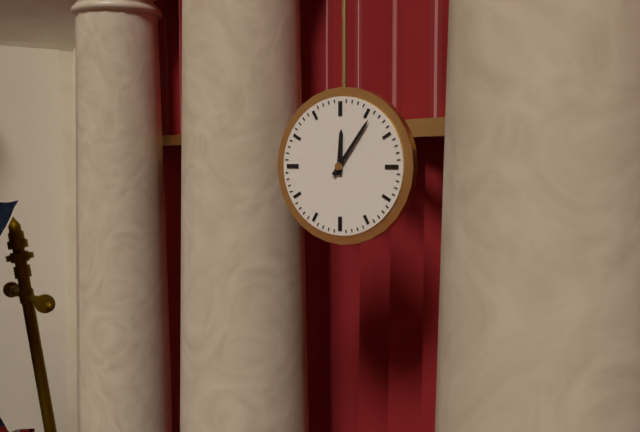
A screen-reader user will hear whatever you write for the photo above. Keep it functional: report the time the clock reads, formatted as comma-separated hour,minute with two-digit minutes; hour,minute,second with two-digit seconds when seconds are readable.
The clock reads 12,06
